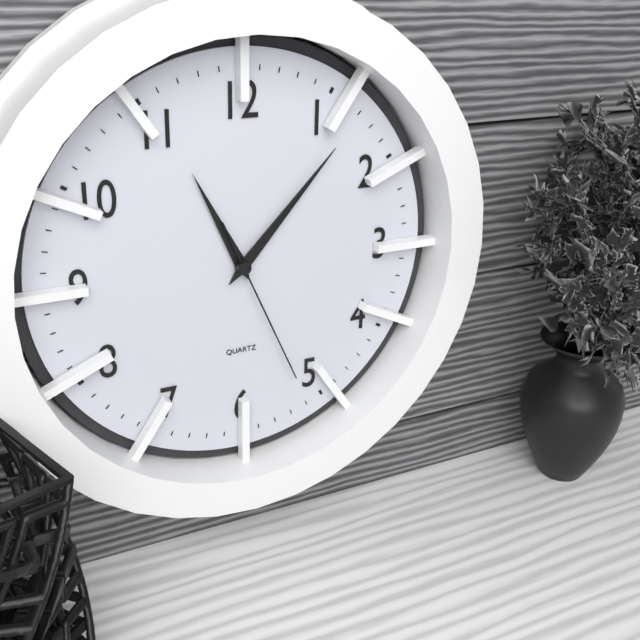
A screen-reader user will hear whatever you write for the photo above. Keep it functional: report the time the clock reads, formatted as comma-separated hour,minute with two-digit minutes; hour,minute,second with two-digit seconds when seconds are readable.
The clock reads 11,07,26
